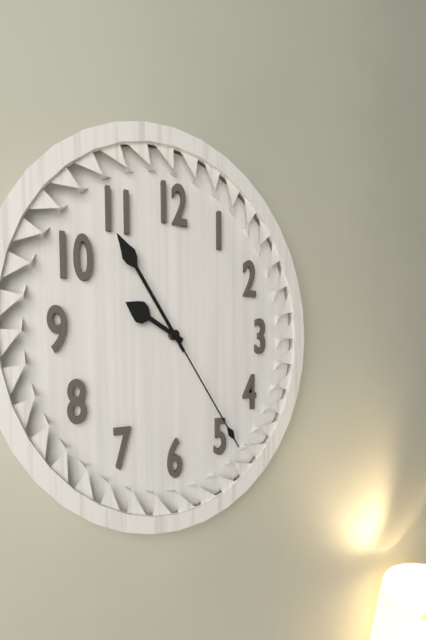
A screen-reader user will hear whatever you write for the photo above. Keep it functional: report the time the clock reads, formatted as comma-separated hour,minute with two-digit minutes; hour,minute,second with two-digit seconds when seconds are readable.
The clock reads 9,54,24
